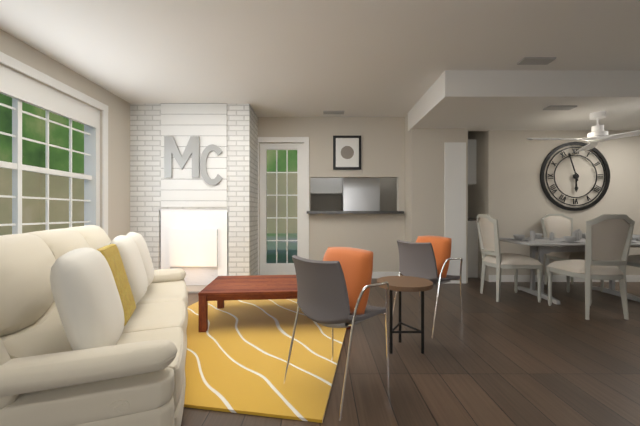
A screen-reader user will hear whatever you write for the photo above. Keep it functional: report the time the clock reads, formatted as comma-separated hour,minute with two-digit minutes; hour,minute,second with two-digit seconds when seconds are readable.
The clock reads 5,57
